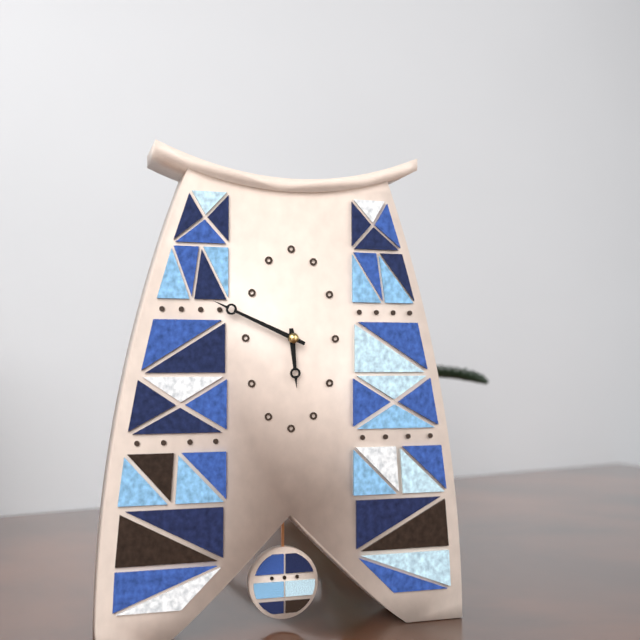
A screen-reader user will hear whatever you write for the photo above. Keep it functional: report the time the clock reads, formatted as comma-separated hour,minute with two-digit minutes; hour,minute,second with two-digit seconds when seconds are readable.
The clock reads 5,49
